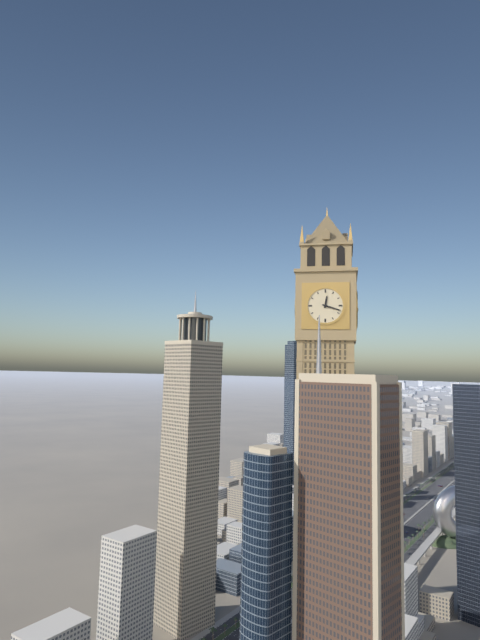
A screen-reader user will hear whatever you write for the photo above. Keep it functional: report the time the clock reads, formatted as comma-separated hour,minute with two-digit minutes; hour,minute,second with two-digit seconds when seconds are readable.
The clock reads 12,18
